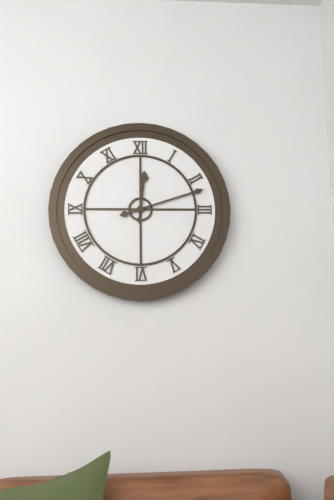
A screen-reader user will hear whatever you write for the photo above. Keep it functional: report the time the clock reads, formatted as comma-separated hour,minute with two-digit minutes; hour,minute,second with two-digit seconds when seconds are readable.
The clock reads 12,12
